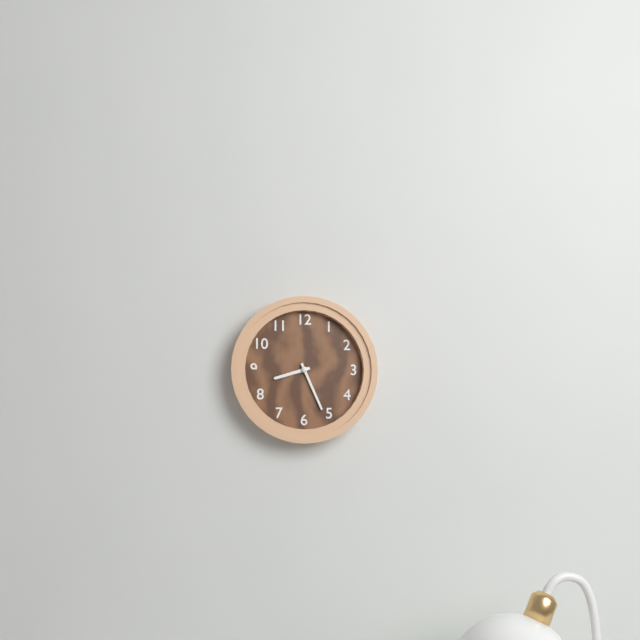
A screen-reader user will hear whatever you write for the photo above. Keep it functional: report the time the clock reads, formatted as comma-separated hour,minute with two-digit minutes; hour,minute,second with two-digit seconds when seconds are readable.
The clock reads 8,26
